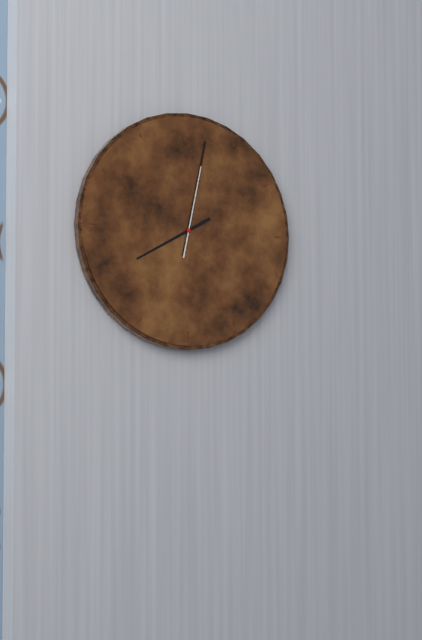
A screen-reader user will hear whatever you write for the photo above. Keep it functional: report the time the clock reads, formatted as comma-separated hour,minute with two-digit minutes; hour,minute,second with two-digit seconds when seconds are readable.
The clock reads 8,02,02
